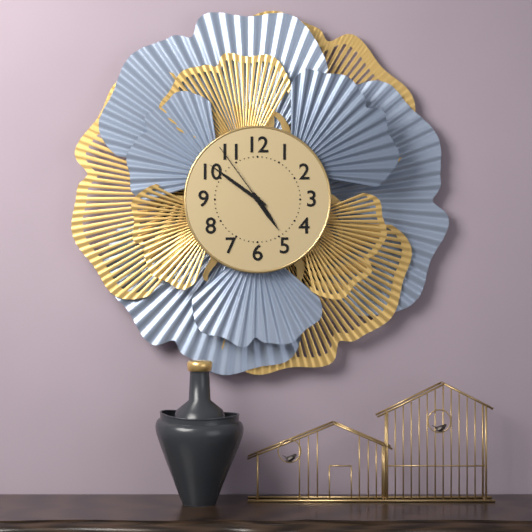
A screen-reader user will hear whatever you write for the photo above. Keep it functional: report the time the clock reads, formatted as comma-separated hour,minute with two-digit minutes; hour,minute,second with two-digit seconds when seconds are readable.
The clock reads 4,51,54
